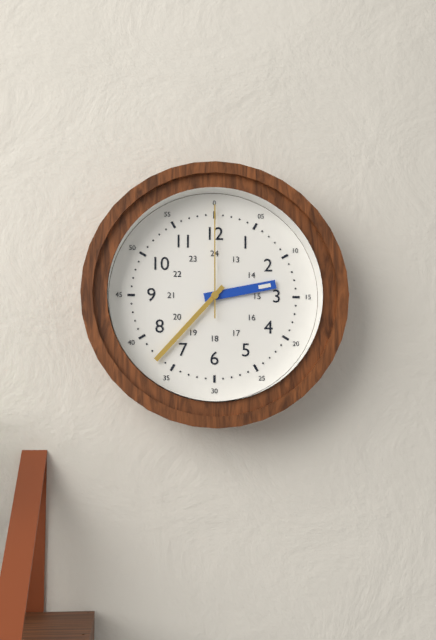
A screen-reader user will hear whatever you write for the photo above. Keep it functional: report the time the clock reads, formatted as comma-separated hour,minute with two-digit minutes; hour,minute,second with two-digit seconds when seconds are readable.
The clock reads 2,37,00
